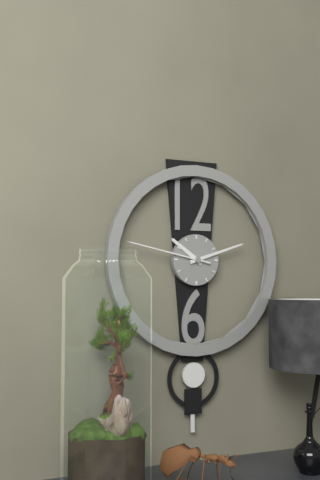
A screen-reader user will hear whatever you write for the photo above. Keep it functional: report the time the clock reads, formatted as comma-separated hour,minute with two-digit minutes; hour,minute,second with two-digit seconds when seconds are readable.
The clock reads 10,12,47
